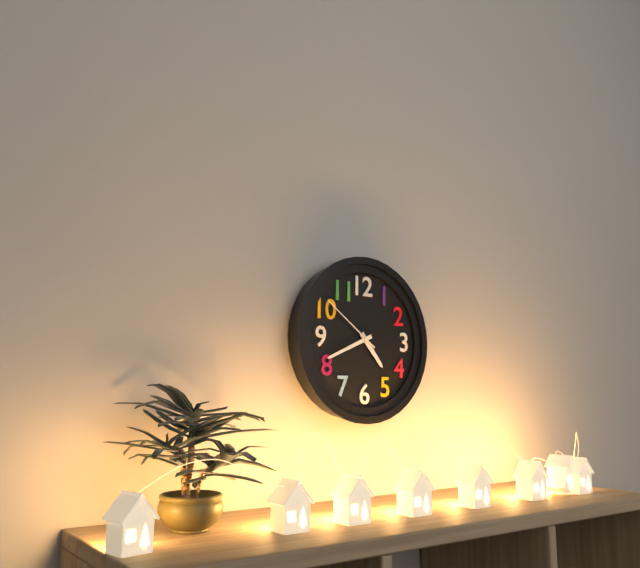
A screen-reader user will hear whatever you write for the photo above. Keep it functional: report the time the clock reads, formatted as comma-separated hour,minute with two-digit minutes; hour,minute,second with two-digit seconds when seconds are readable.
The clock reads 4,41,51
